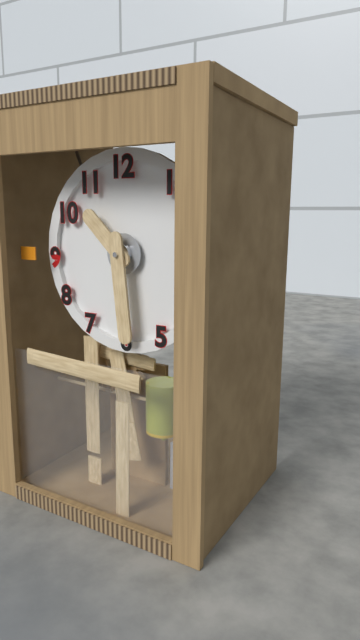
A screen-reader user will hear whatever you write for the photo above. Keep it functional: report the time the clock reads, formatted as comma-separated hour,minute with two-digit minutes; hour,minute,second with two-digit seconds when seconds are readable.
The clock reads 10,29
